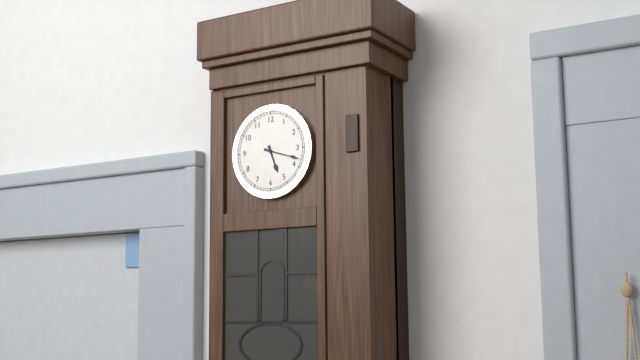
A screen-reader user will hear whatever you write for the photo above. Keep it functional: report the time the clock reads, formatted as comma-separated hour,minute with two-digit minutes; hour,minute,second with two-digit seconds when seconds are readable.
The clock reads 5,18
